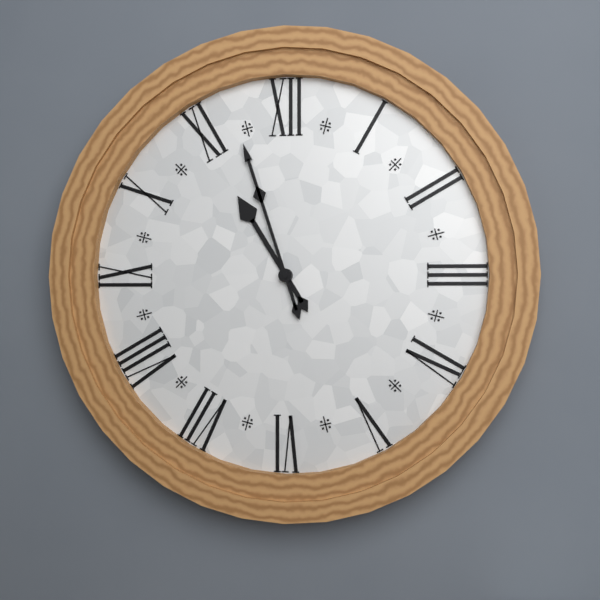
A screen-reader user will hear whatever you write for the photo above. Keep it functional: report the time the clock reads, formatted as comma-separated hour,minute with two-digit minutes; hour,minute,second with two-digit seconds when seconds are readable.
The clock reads 10,57
